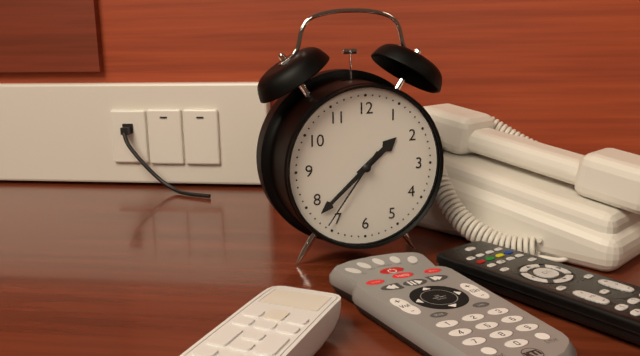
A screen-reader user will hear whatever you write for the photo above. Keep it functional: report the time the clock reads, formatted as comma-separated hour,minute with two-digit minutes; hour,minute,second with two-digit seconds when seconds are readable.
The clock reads 1,38,36
